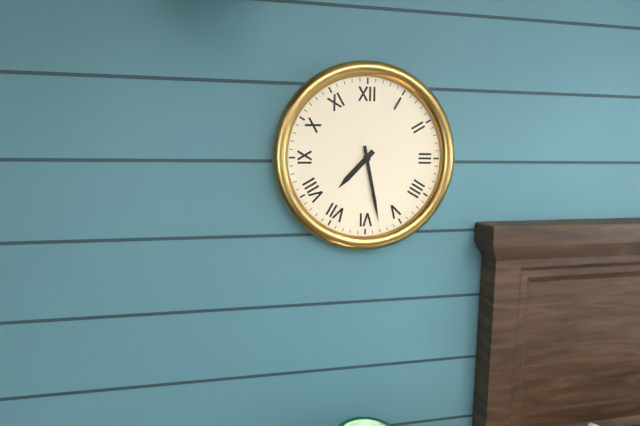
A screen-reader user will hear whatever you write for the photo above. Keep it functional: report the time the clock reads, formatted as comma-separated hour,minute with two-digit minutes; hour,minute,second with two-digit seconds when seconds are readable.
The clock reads 7,28
